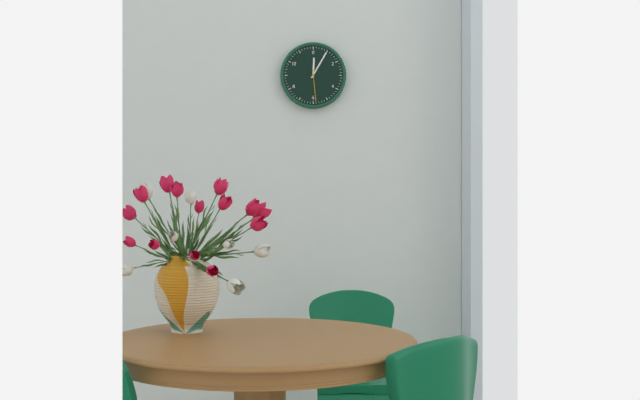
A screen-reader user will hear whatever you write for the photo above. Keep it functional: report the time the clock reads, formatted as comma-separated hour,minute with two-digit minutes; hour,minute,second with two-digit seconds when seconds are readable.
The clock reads 12,05
